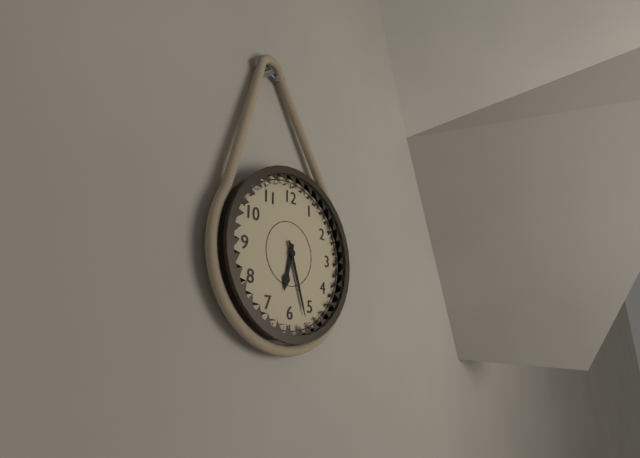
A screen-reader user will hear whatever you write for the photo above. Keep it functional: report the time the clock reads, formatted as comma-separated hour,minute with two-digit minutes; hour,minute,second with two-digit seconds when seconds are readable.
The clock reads 6,27
